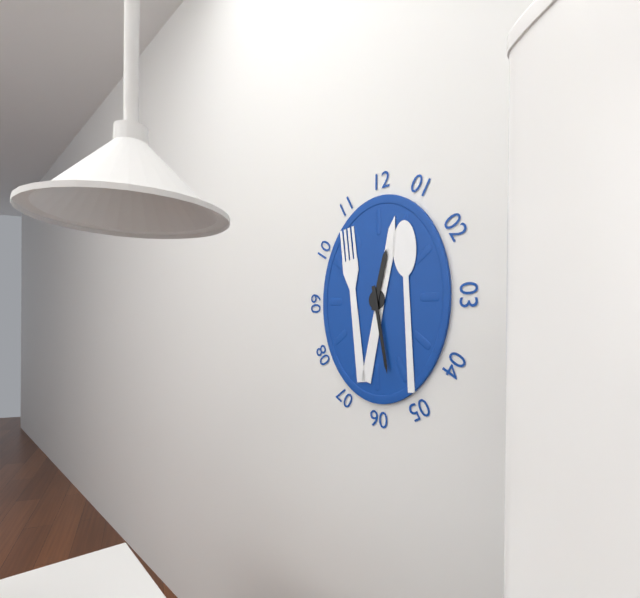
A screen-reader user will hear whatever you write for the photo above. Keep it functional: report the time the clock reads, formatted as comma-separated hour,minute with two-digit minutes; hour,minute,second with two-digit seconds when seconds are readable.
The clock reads 12,28
